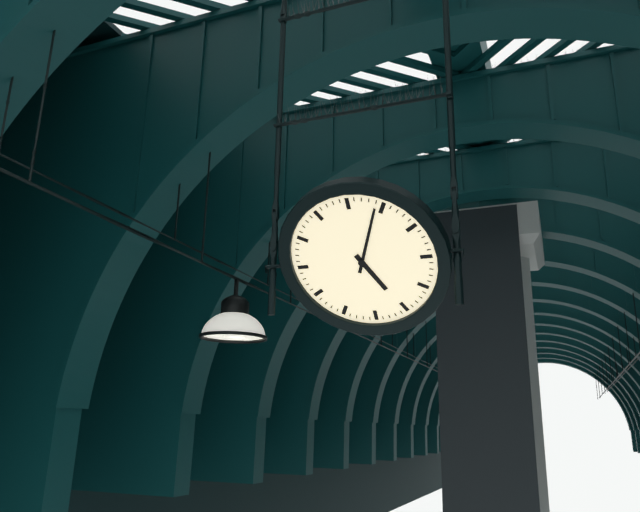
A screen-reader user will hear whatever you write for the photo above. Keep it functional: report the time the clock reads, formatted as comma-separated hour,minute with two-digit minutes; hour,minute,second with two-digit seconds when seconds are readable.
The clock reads 5,04
